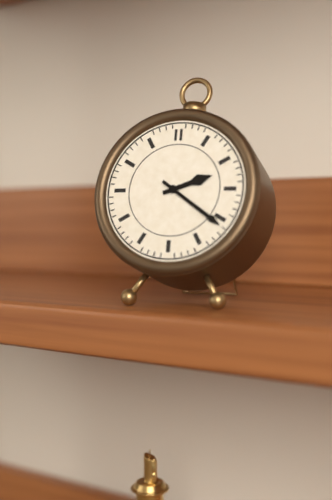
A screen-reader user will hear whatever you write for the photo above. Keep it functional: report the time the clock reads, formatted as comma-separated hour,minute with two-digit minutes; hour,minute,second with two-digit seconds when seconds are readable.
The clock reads 2,21
